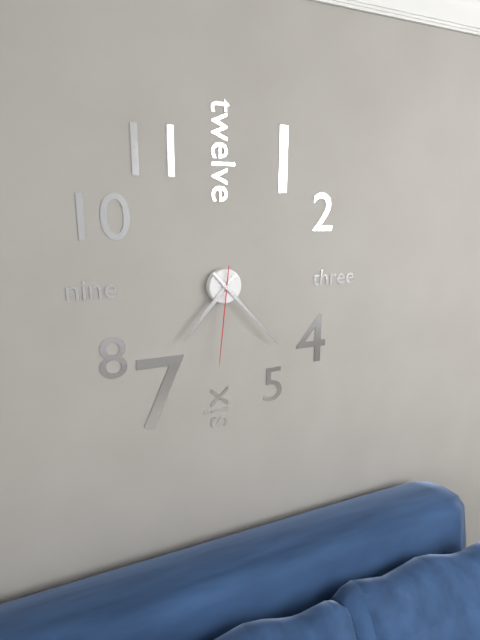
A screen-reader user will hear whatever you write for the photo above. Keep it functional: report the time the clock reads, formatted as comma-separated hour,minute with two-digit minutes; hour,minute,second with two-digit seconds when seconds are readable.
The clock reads 7,23,31
